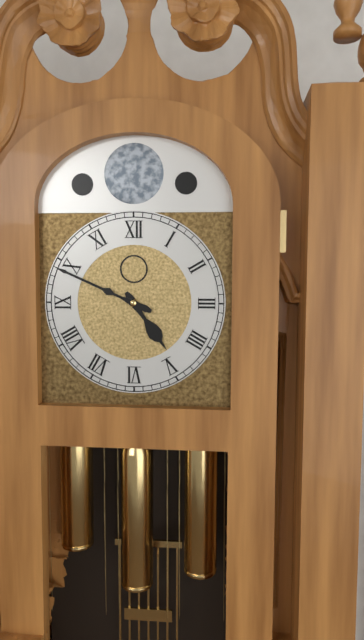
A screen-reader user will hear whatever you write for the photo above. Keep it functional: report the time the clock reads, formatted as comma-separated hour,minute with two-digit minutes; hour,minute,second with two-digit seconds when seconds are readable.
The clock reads 4,49
